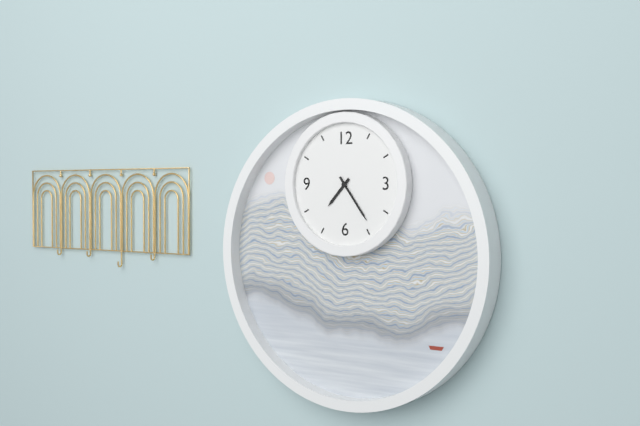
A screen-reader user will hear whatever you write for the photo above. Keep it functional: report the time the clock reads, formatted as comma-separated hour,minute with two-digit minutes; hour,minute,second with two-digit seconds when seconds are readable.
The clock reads 7,24
